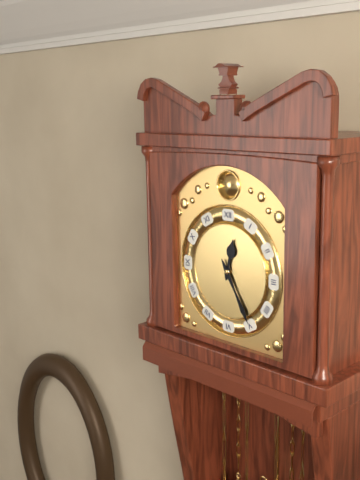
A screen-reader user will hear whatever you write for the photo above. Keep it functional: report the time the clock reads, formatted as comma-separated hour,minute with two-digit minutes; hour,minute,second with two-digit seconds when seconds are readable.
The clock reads 12,25
